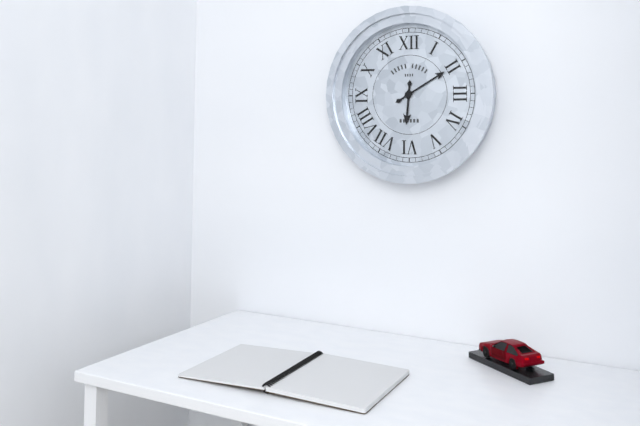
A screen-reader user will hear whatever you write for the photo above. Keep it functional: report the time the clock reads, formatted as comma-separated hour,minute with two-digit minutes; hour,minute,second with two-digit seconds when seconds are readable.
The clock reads 6,10
